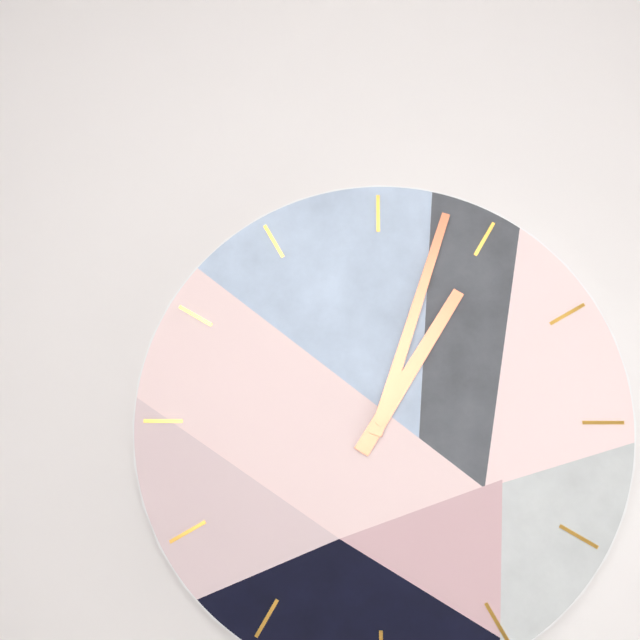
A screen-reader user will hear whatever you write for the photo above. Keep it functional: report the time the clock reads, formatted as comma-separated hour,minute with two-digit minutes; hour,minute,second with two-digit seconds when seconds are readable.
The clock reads 1,03
